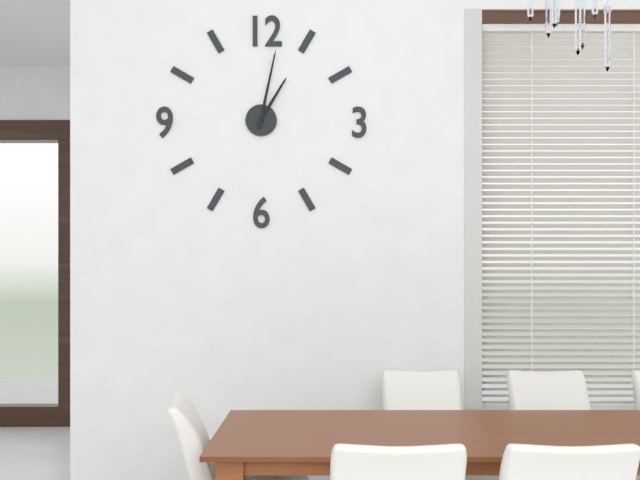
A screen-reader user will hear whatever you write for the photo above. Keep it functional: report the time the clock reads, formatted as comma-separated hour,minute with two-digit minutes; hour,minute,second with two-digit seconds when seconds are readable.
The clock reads 1,02
